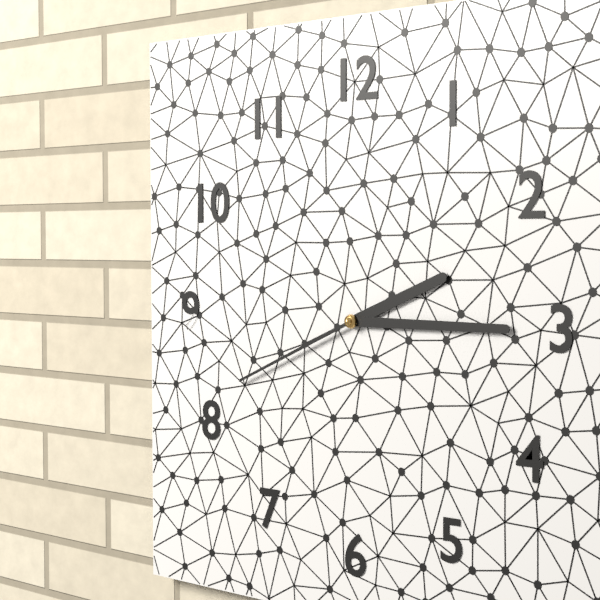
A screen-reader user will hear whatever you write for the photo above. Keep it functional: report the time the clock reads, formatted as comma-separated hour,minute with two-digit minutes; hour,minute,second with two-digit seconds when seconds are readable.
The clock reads 2,15,41
